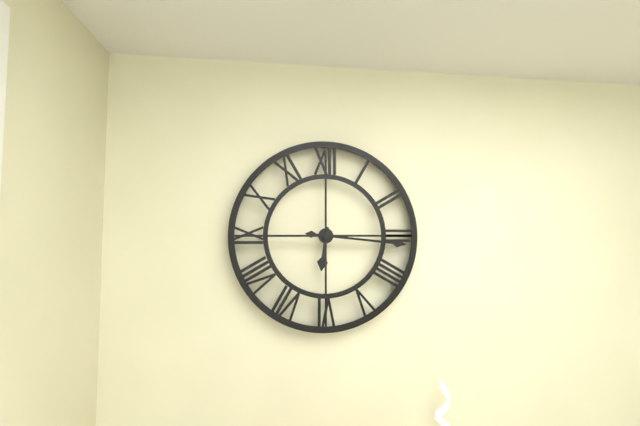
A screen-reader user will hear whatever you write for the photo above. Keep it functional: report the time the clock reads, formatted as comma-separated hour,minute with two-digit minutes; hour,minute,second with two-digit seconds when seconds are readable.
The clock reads 6,16
